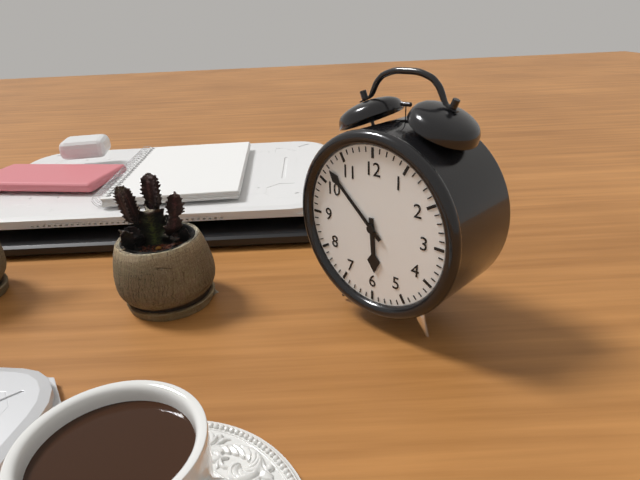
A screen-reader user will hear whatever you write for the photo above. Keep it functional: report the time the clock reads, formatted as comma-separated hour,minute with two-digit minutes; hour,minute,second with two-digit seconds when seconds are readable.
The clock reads 5,52
